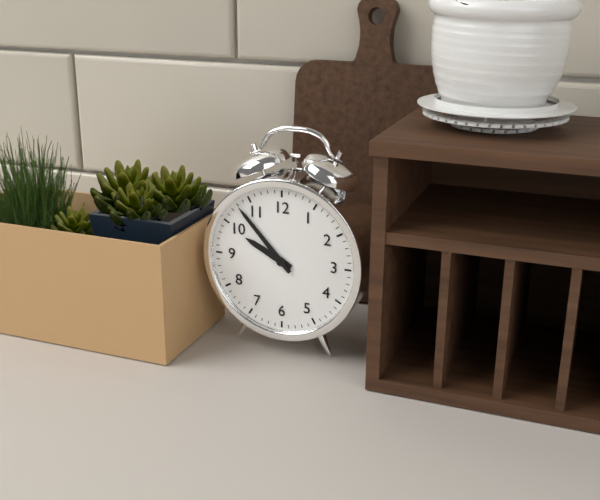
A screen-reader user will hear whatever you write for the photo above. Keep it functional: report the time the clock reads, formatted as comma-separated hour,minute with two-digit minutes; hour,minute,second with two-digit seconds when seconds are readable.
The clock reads 9,53
